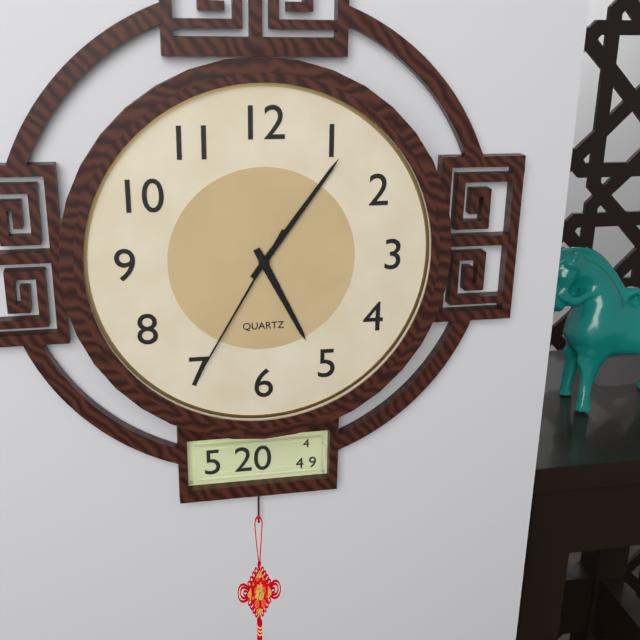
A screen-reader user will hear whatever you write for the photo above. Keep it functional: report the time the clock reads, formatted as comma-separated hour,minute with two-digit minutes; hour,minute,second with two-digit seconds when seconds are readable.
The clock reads 5,06,35
